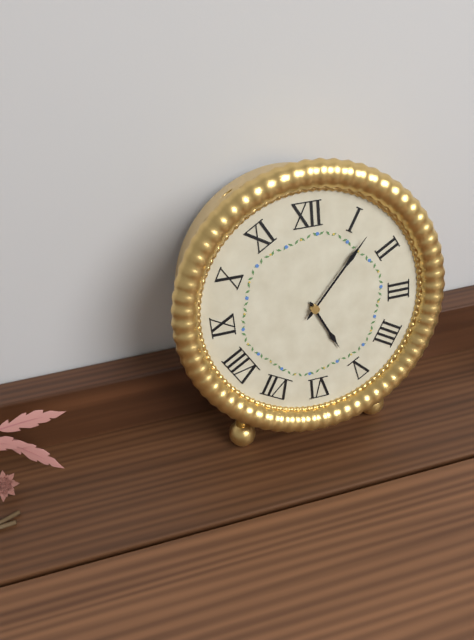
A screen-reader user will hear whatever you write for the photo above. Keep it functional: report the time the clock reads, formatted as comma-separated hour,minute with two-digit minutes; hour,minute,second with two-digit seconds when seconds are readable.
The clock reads 5,07
